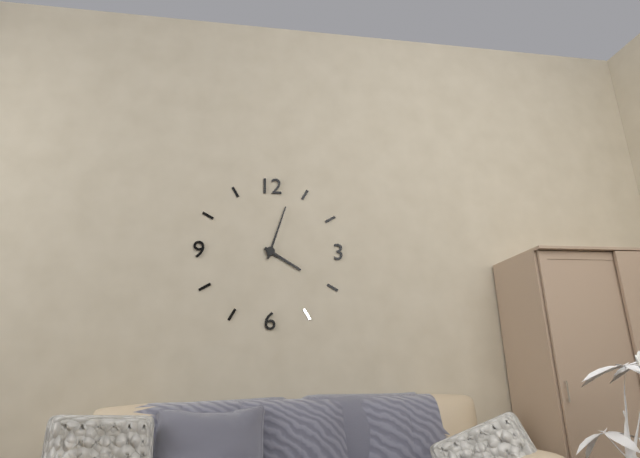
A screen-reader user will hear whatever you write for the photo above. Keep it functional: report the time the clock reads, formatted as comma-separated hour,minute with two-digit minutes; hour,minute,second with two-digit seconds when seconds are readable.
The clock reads 4,03
